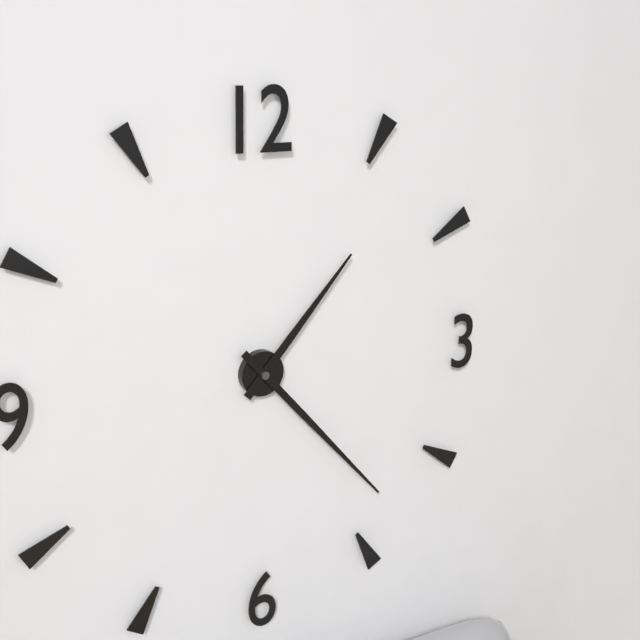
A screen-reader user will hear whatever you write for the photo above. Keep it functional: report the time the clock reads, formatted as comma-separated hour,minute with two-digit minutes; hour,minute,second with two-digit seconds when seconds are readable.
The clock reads 1,23
